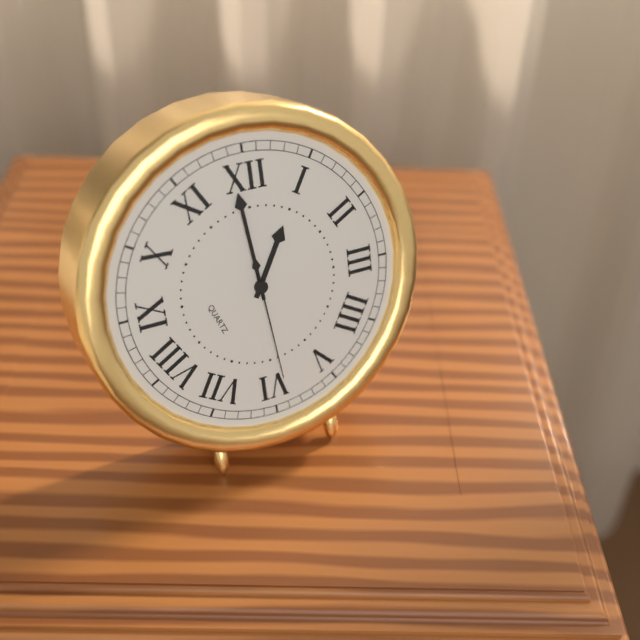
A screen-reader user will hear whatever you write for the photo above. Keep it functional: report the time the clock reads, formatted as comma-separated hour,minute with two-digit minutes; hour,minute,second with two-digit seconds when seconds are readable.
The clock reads 12,59,29
